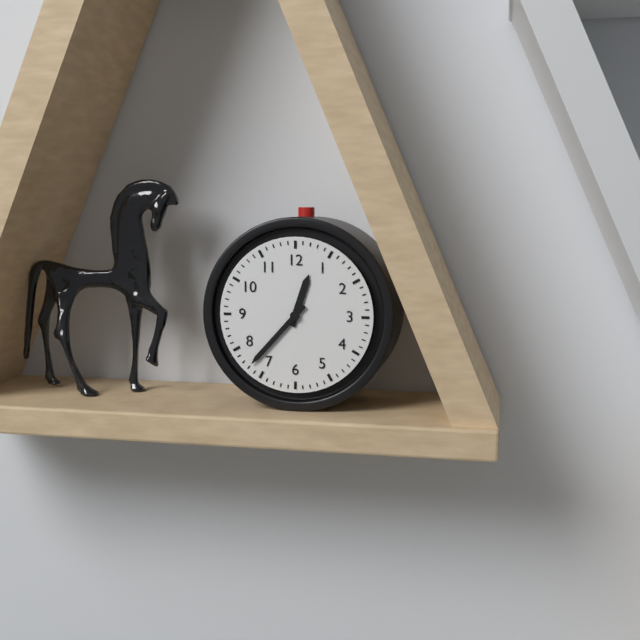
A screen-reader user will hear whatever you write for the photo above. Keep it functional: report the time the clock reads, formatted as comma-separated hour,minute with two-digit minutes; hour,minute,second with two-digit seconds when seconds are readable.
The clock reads 12,37
